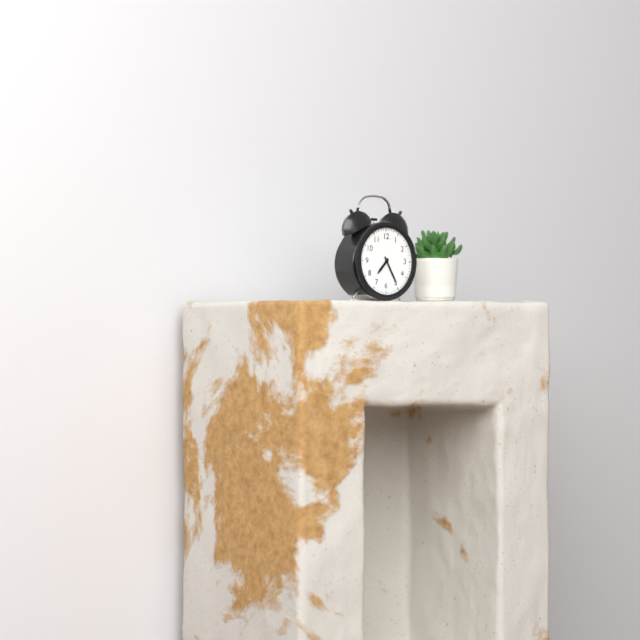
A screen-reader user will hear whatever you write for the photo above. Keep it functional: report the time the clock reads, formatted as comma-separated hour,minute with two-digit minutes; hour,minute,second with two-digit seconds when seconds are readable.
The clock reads 7,25
